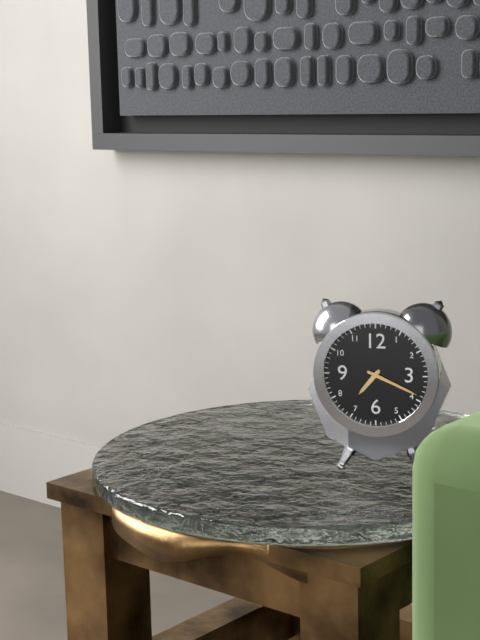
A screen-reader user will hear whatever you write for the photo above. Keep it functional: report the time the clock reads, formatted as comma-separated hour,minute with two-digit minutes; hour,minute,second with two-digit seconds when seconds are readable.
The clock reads 7,19
